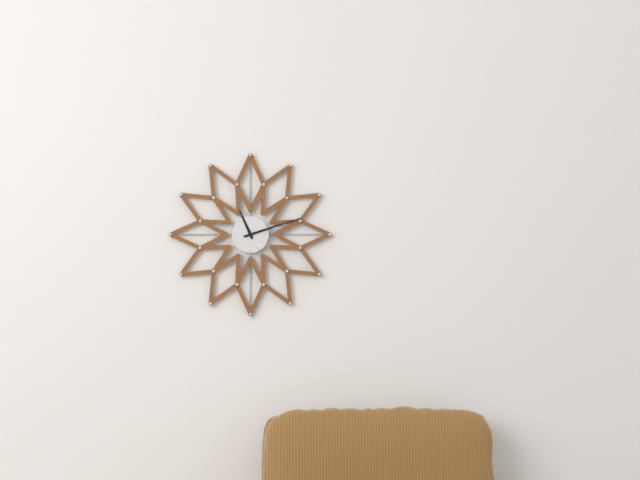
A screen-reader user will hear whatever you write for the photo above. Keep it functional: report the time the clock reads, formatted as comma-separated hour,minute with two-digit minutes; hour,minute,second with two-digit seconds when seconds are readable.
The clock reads 11,12
